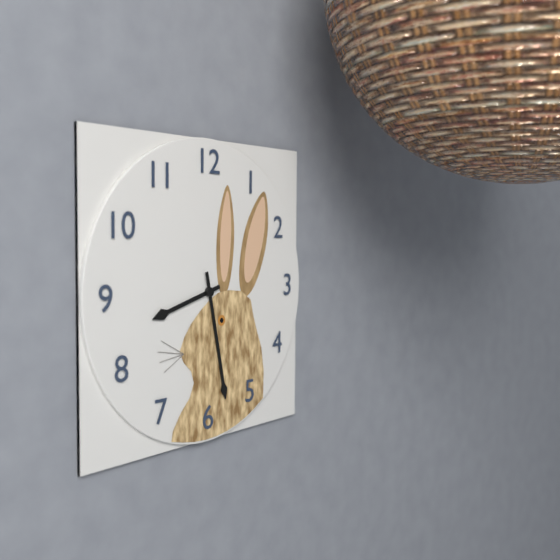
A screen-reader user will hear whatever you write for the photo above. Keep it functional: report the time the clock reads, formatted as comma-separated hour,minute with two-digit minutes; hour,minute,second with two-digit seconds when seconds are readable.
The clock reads 8,28
